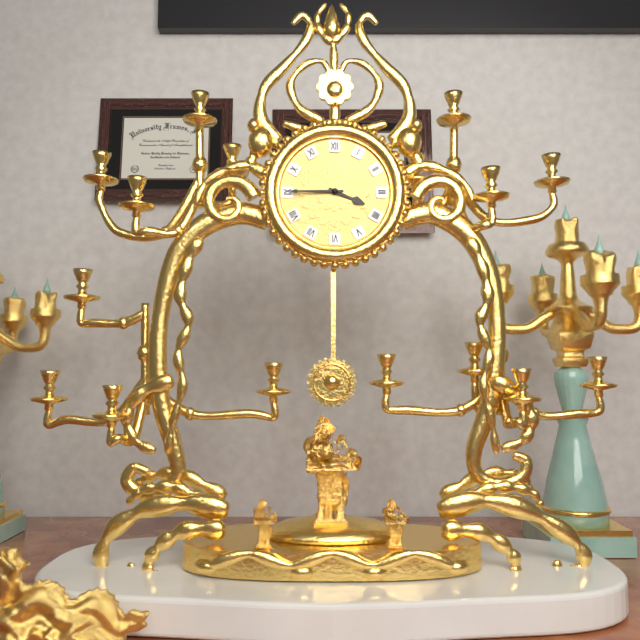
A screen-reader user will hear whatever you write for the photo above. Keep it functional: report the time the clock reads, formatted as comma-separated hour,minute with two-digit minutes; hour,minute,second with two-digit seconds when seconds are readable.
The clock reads 3,45
